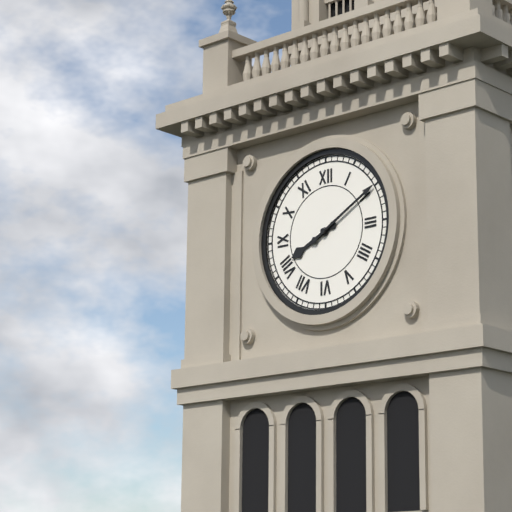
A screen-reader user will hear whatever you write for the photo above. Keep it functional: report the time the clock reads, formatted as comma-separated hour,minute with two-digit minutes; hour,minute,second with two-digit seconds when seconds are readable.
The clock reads 8,10
